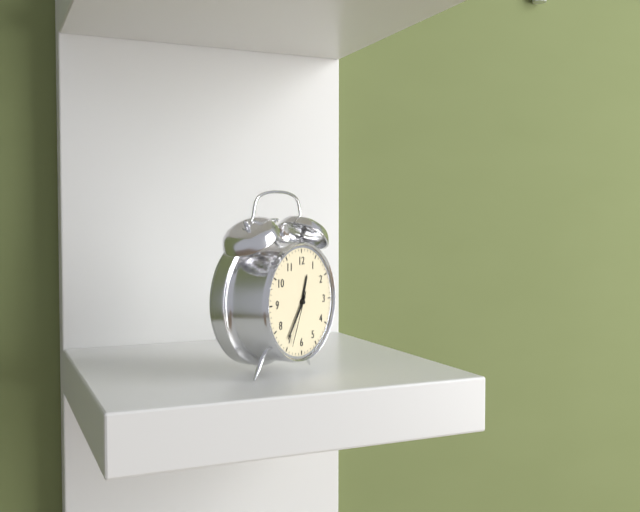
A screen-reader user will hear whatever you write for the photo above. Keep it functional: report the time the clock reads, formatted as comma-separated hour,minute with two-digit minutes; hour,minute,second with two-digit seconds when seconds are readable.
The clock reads 12,36,34
